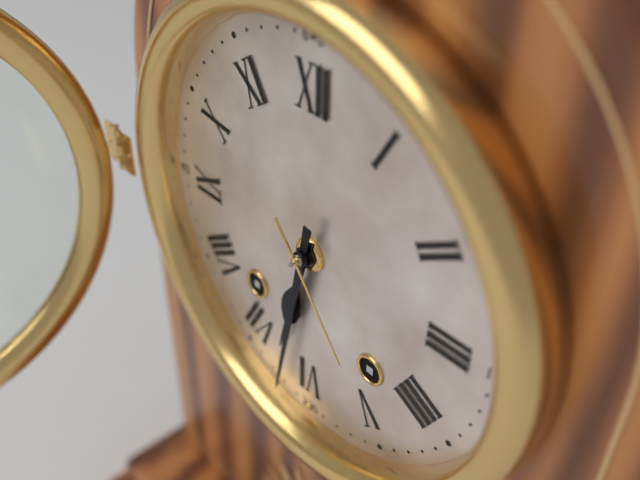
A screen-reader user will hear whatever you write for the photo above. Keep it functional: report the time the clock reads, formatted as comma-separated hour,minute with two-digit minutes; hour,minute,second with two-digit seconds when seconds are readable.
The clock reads 6,32
